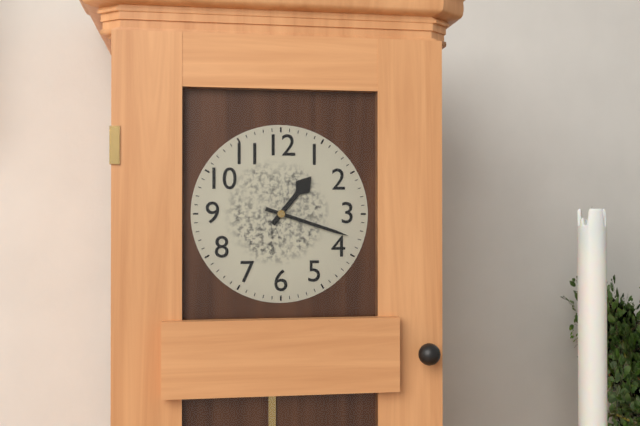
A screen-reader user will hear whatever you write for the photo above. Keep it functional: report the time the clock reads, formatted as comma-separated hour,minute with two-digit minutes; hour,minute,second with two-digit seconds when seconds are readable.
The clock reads 1,18
